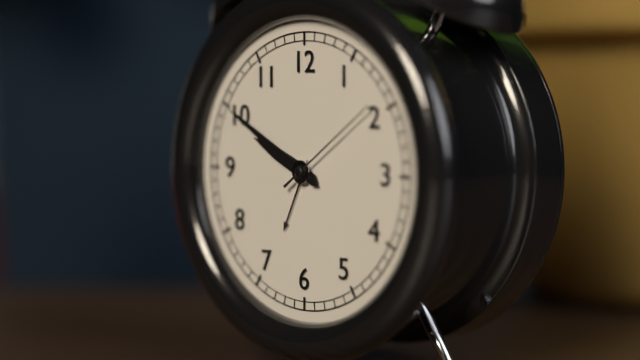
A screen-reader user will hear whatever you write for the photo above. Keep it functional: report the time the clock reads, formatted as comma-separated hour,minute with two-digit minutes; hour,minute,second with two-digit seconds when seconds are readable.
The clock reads 9,50,09
